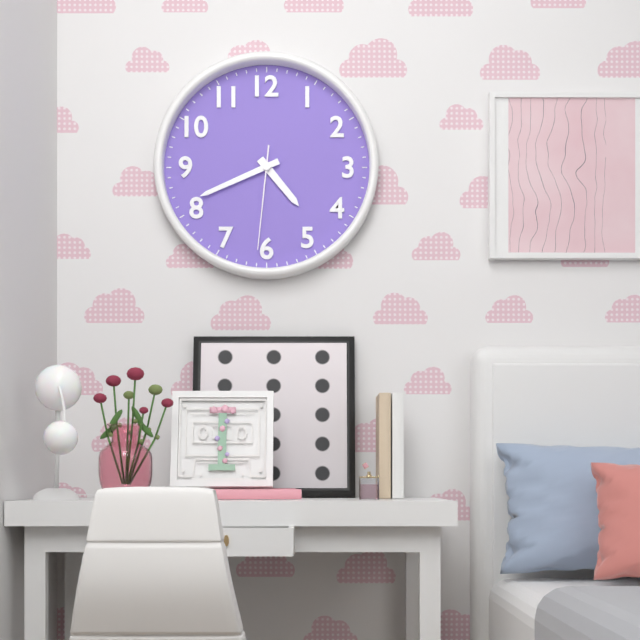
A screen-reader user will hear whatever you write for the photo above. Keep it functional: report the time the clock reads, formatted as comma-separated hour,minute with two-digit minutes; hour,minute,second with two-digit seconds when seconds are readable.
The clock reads 4,41,31
